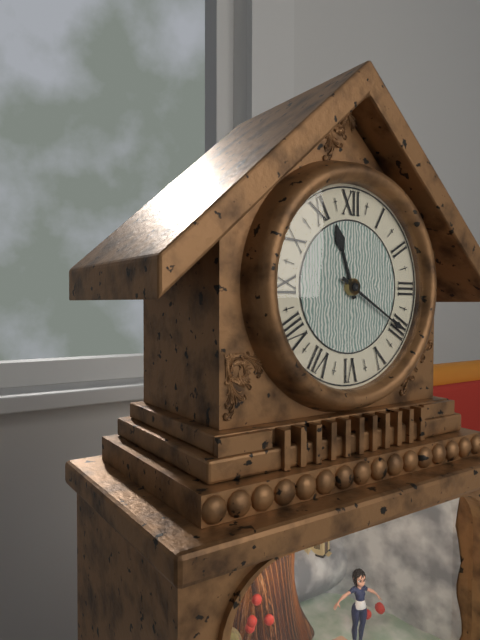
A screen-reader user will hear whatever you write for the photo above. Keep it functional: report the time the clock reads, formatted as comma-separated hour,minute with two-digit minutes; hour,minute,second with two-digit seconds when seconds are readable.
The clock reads 11,20
